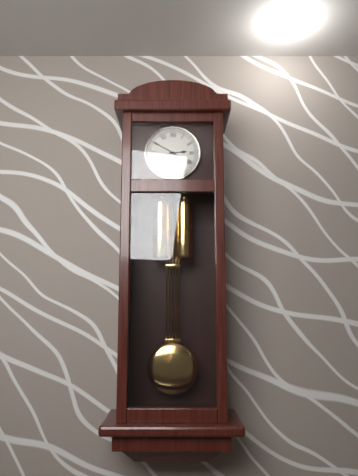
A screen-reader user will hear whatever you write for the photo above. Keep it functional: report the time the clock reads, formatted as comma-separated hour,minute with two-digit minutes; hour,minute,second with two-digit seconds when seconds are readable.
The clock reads 2,50
